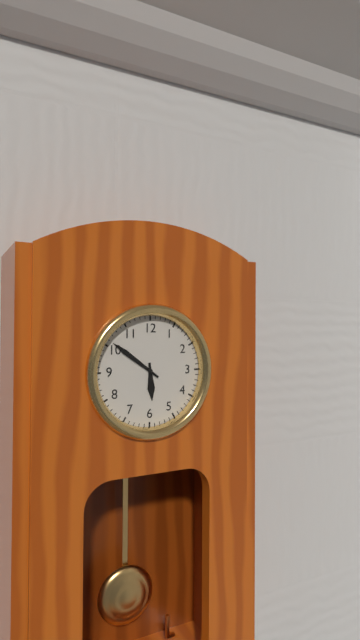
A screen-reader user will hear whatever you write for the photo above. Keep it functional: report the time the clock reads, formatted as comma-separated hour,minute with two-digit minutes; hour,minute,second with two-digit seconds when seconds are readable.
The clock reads 5,51
